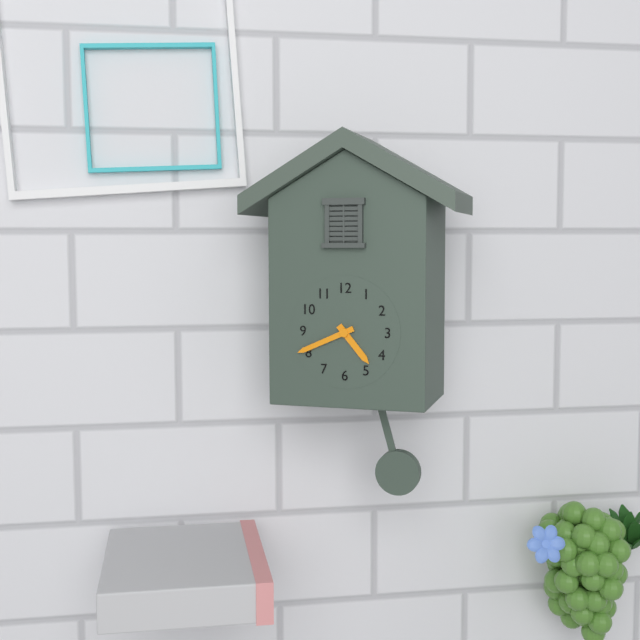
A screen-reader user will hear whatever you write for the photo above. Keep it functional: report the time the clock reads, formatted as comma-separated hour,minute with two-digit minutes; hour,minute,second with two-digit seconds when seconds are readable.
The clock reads 4,41
